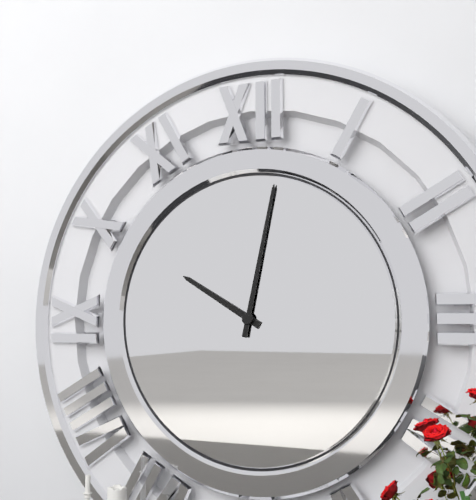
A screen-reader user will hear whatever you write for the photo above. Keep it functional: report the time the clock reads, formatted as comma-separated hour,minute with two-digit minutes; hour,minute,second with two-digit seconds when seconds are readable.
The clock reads 10,02
